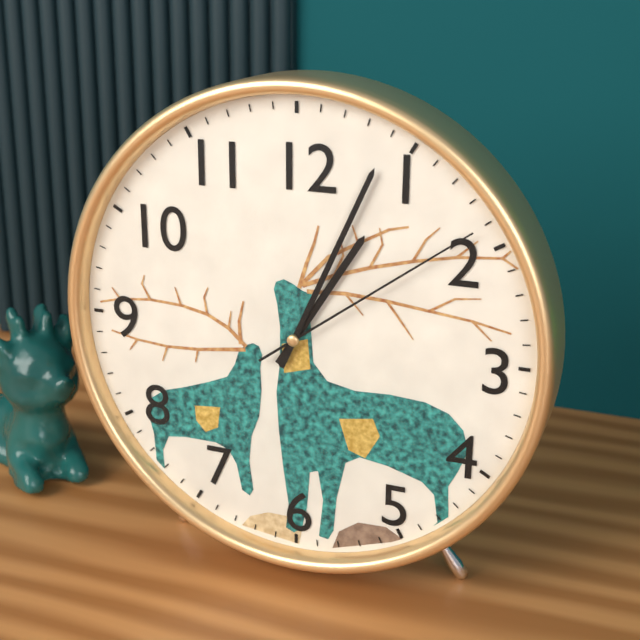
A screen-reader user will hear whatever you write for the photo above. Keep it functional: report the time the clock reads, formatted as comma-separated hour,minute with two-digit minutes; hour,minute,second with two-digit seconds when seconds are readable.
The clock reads 1,04,09
